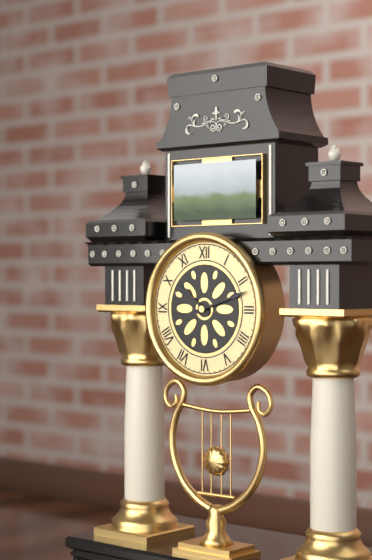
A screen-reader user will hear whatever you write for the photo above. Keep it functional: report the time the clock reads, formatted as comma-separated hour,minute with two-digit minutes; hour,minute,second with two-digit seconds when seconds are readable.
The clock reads 10,12
